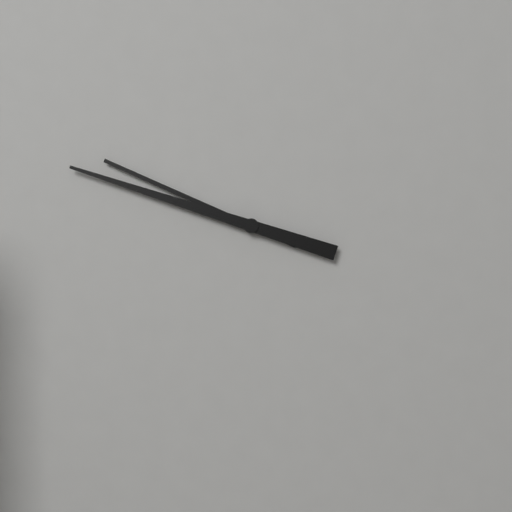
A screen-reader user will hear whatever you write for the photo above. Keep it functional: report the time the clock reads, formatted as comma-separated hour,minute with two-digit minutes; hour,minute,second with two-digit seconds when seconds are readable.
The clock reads 9,48
